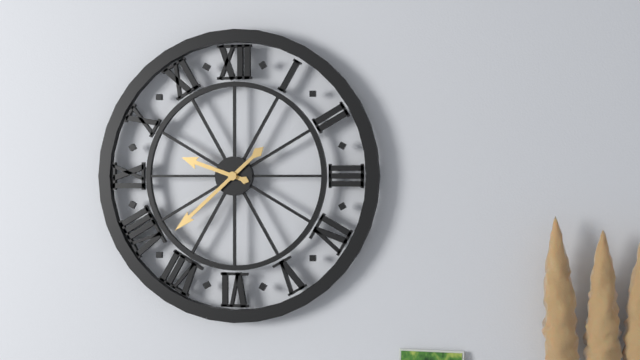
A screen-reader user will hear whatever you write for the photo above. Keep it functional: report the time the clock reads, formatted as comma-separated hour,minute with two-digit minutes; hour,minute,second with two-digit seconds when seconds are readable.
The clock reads 9,38
